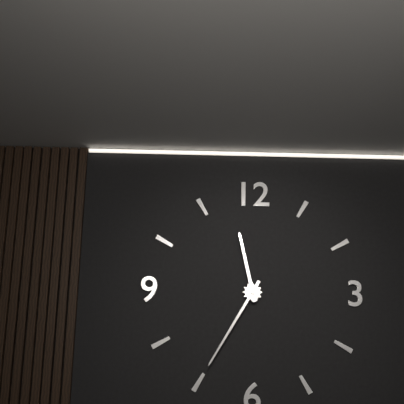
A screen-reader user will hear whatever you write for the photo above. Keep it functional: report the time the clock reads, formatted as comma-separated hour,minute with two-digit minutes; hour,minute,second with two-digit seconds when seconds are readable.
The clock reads 11,35
